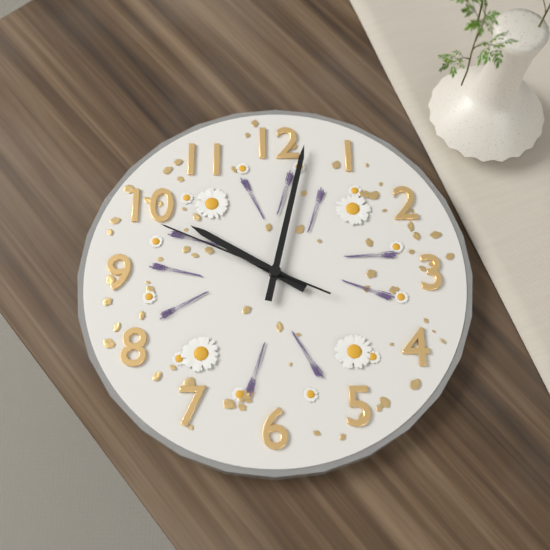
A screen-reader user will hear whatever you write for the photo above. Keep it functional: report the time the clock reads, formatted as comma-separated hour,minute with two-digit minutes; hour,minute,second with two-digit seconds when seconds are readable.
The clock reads 10,02,49
